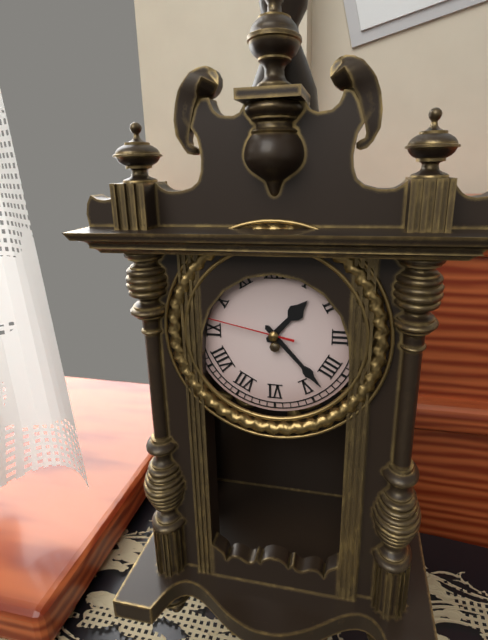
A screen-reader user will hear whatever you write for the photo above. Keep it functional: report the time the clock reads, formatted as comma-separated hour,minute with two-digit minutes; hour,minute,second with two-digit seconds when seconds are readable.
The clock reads 1,23,47
